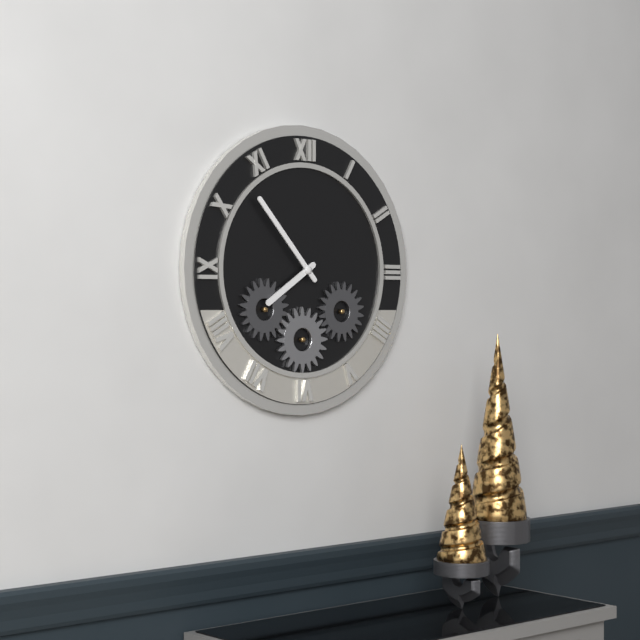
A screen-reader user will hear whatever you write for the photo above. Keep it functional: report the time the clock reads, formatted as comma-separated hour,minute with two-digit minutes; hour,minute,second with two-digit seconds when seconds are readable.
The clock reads 7,53
